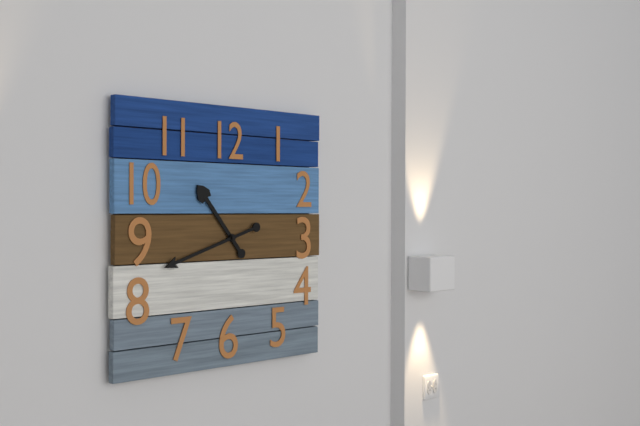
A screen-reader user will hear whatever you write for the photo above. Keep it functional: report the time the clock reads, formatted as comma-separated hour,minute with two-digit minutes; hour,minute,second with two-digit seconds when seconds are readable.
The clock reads 10,42
